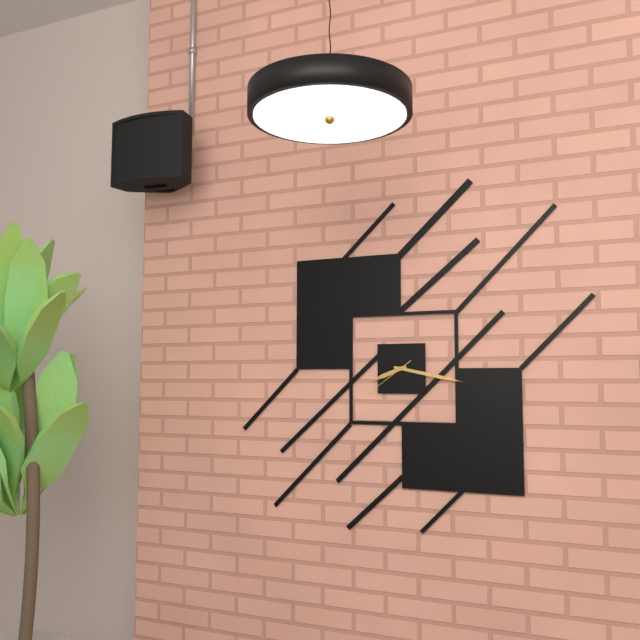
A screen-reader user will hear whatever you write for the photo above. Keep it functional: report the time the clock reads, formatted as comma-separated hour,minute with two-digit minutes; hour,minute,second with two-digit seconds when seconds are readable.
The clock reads 8,17,39
